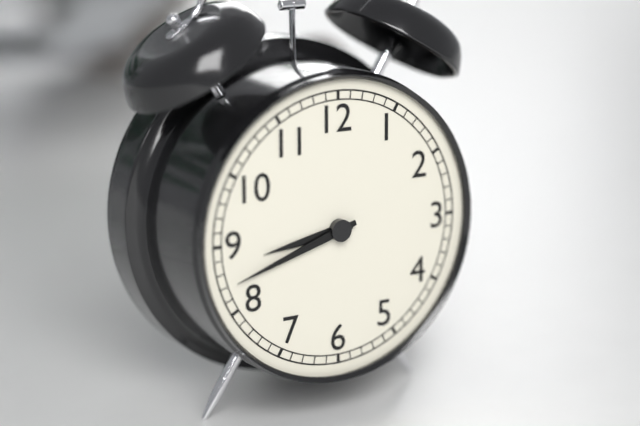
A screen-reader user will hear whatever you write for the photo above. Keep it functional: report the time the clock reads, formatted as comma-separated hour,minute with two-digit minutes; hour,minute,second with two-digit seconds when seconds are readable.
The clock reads 8,42
